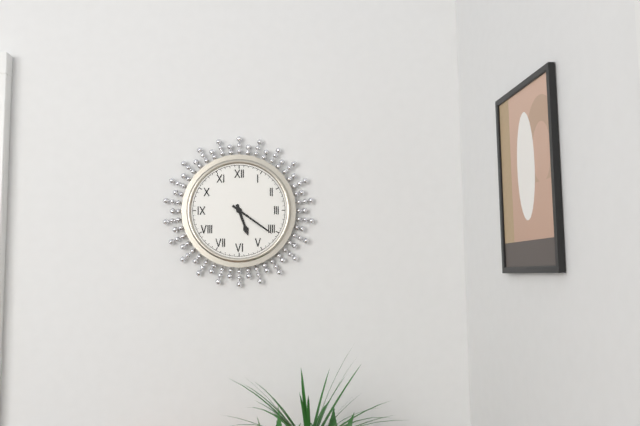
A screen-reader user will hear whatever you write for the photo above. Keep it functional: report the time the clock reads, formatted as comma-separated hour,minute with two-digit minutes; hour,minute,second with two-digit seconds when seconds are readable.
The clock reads 5,21
